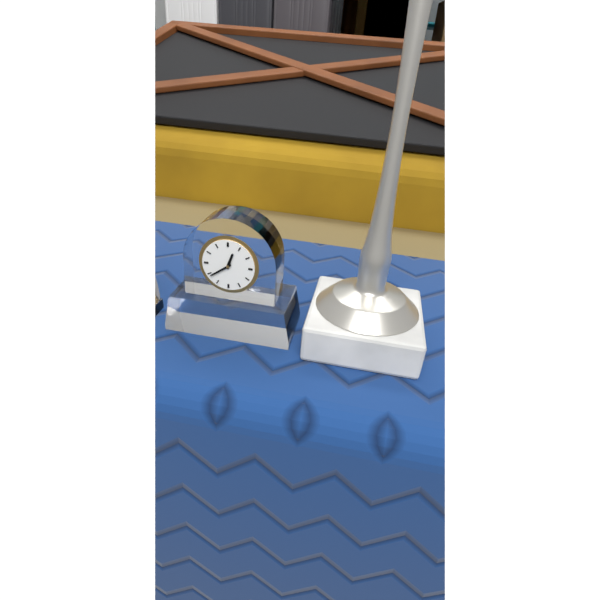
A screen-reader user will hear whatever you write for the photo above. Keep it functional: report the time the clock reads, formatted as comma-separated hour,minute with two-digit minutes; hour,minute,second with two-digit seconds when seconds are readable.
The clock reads 12,39
